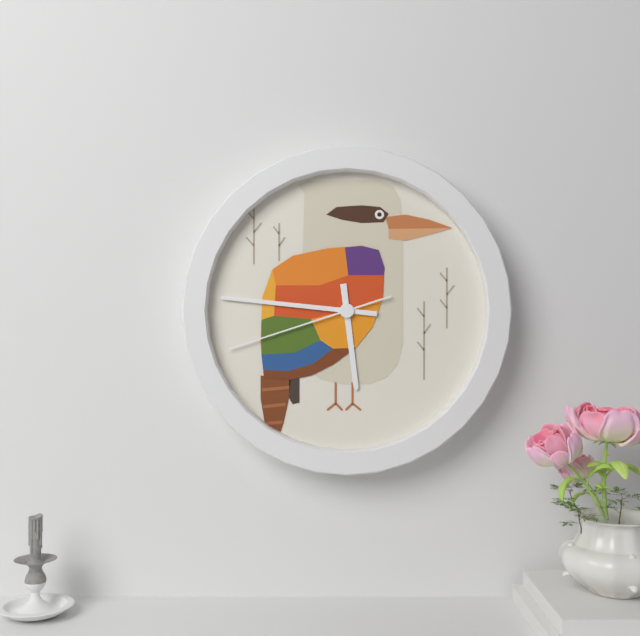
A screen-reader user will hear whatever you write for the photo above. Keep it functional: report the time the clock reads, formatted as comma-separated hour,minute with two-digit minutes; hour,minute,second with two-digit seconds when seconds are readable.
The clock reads 5,46,42
